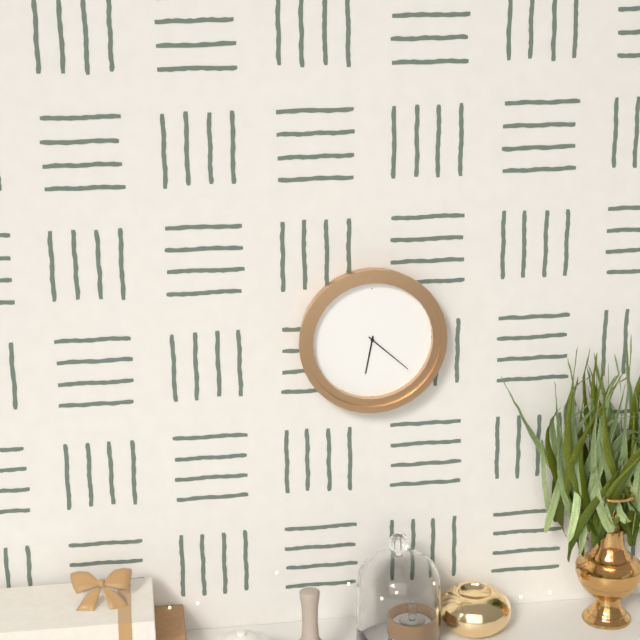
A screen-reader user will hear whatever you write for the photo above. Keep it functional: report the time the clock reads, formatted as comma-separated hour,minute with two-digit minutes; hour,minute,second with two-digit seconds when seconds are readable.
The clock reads 6,22
